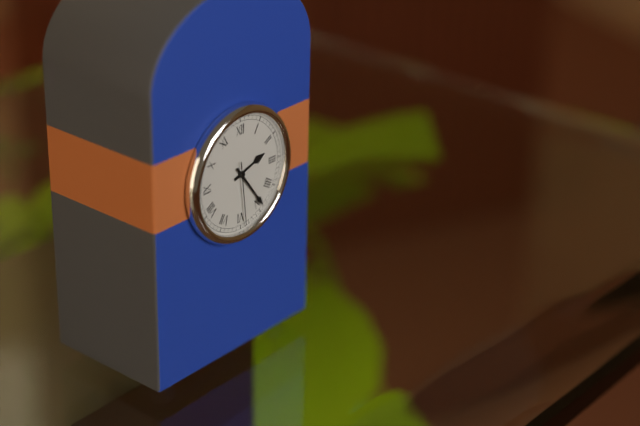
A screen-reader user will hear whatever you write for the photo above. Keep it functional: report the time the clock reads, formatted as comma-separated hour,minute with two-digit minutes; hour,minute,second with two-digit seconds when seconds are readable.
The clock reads 2,24,29
